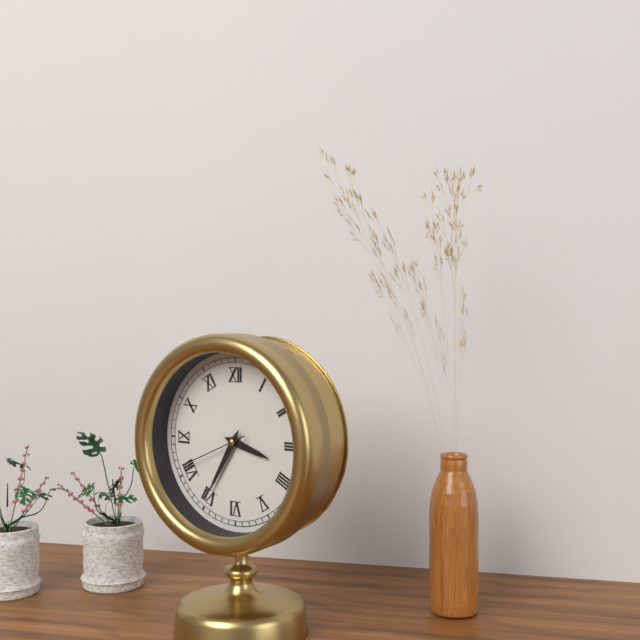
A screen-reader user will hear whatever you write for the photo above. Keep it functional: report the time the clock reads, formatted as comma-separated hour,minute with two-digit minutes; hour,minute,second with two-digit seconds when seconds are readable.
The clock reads 3,35,41
